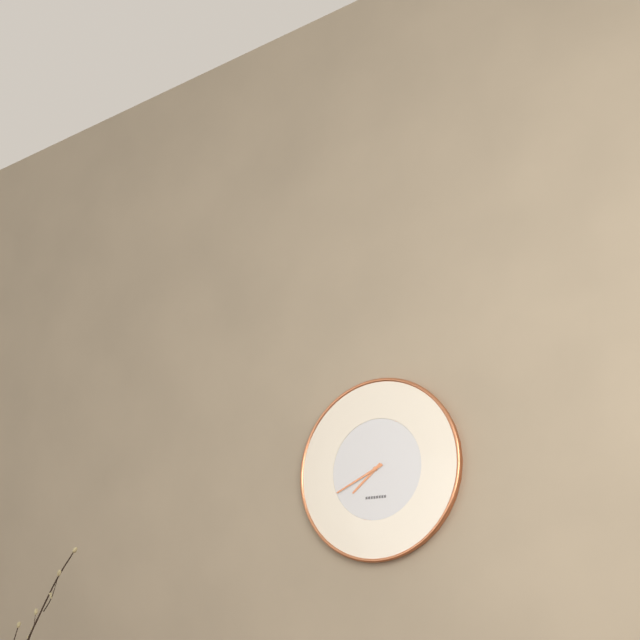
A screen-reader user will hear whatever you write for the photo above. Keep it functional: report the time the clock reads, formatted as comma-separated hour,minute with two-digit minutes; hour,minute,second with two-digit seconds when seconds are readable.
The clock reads 7,41
